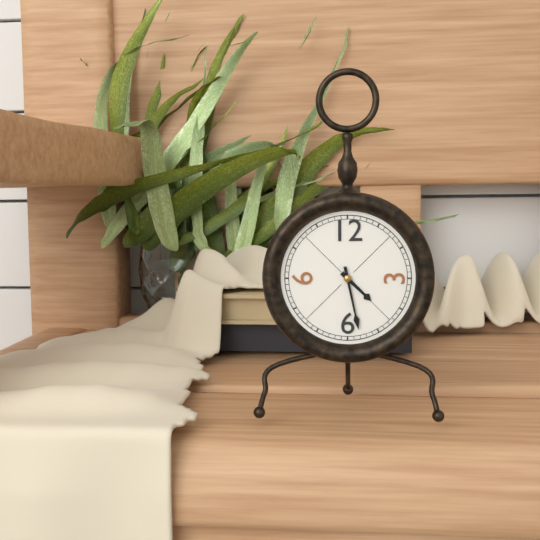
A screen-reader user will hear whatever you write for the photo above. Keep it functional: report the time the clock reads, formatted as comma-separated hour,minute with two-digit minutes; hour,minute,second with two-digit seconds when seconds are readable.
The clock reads 4,28
